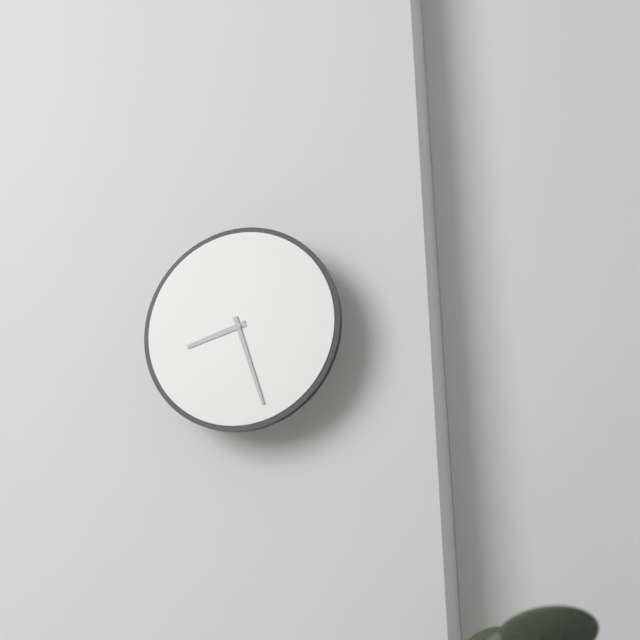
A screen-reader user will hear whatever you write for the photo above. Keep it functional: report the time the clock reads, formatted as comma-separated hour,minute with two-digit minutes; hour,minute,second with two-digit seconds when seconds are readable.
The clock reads 8,27
